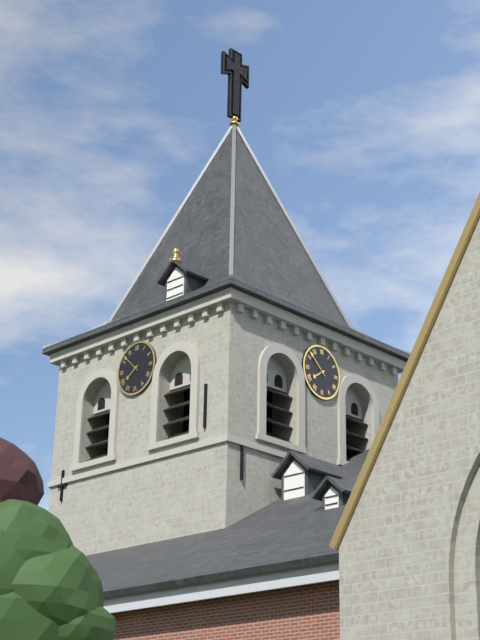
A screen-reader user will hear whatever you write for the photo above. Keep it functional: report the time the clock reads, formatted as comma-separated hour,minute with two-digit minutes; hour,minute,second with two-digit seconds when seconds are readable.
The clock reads 7,52
